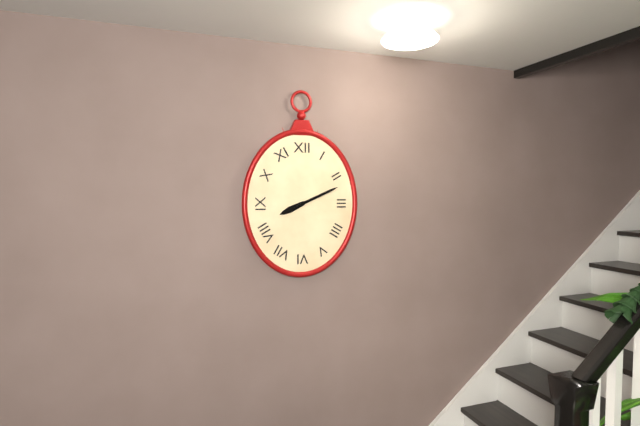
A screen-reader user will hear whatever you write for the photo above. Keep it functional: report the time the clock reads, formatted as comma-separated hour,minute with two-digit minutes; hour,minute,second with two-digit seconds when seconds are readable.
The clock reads 8,11
